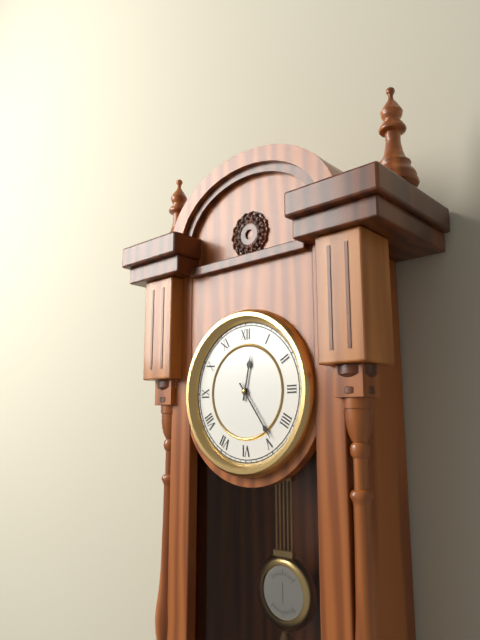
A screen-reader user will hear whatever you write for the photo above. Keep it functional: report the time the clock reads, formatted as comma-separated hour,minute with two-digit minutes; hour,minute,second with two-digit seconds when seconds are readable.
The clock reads 12,24
